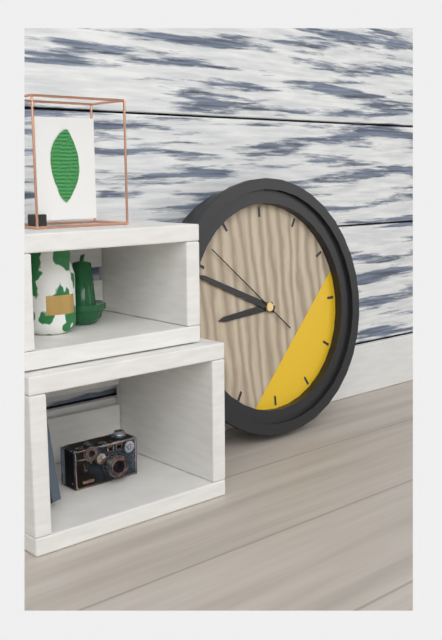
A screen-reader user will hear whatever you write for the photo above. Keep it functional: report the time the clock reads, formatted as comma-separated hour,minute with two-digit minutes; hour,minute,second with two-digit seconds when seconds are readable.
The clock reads 8,49,52
